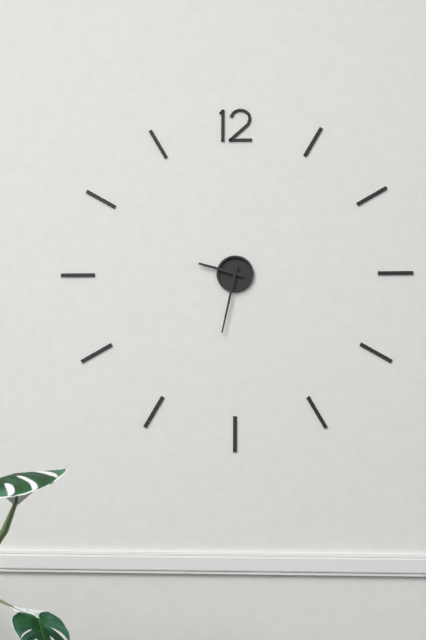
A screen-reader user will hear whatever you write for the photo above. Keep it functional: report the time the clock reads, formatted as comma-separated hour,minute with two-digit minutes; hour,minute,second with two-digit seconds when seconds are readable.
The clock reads 9,32
